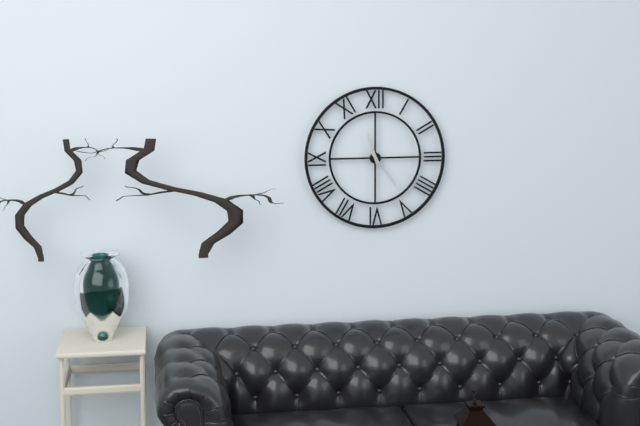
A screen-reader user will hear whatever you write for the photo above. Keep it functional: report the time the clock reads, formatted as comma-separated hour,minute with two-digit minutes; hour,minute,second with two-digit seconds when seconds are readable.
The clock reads 11,24
